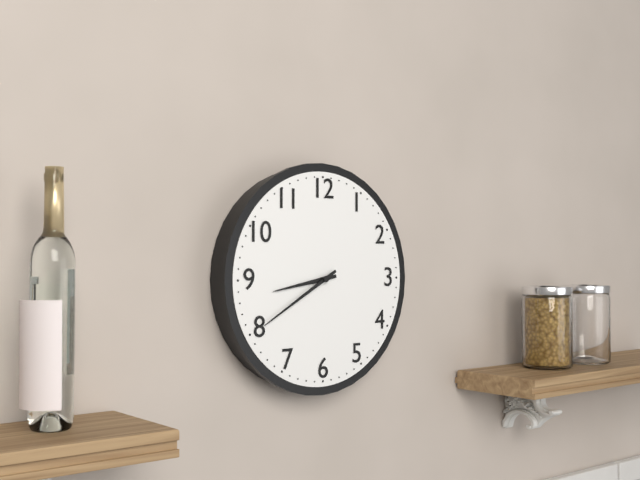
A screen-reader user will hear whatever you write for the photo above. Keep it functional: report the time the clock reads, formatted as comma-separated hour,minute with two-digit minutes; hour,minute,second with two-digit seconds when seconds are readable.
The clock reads 8,40
